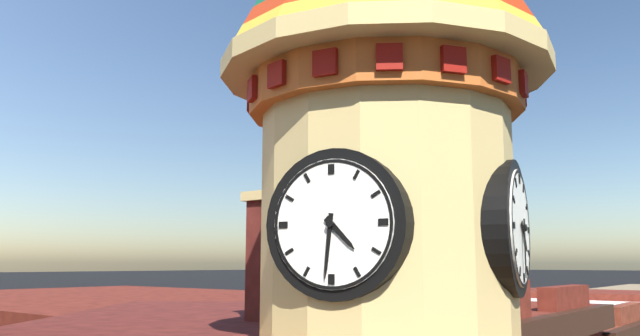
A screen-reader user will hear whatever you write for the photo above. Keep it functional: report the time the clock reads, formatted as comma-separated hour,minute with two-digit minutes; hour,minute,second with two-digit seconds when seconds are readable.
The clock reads 4,31
